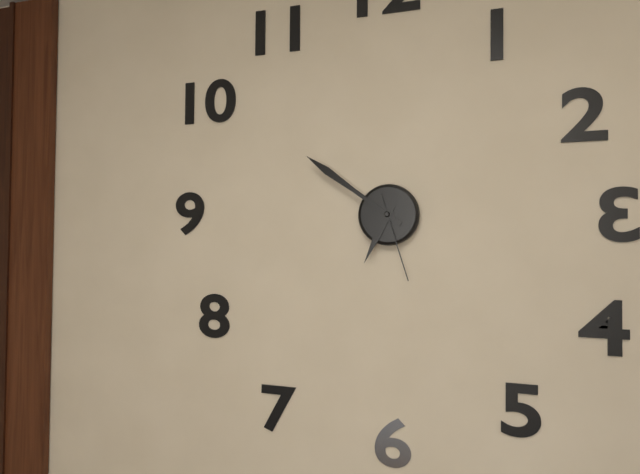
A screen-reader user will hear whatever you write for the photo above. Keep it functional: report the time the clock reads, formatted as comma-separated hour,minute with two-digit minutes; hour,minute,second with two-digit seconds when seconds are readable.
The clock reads 6,51,27
